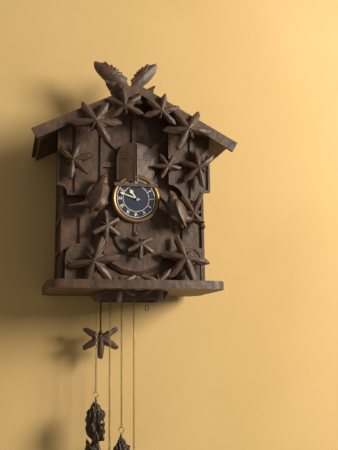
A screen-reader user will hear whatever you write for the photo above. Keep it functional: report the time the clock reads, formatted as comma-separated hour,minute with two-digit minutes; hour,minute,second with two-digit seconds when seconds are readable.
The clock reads 10,48
